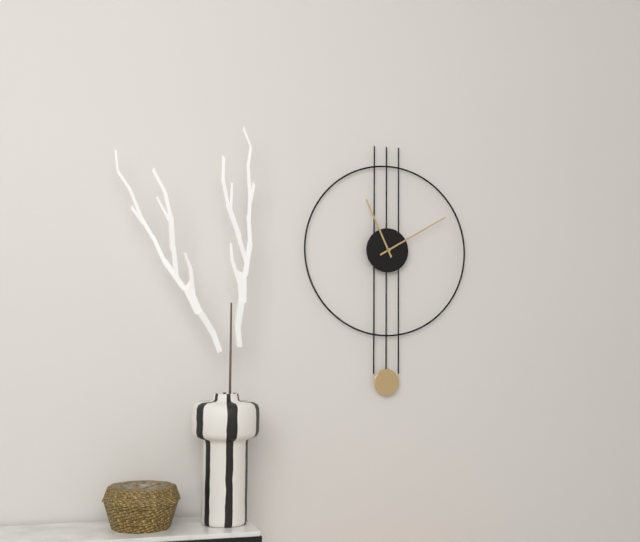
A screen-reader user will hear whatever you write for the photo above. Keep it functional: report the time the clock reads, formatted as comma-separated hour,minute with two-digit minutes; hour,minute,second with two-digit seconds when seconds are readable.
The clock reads 11,10
